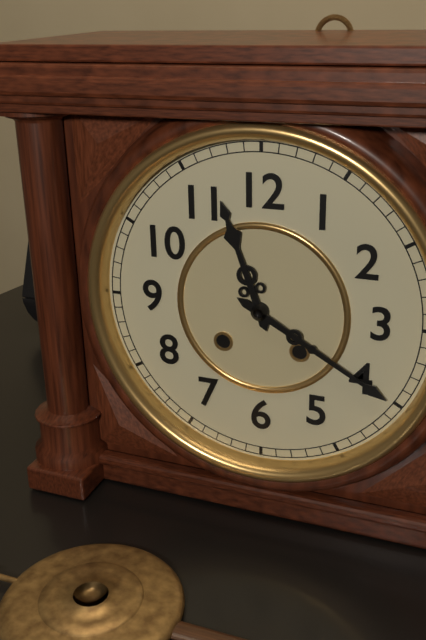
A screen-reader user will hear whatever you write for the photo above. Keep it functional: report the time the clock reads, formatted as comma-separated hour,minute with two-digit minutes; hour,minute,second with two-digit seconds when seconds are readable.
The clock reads 11,20
